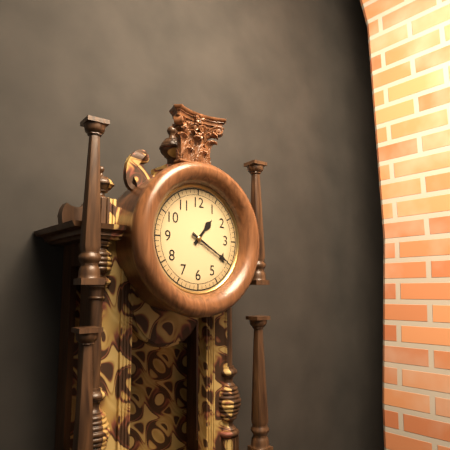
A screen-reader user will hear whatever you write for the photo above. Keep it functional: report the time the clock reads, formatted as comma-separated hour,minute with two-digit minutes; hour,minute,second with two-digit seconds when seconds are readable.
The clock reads 1,20
